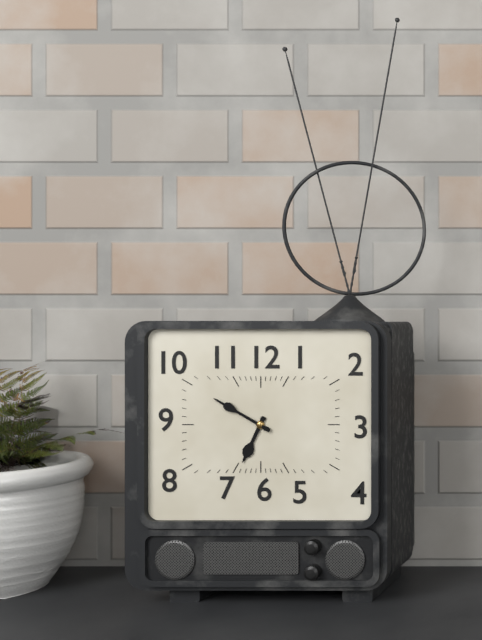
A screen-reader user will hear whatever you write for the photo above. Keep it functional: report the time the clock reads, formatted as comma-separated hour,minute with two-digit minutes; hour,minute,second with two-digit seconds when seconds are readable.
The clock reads 6,50
